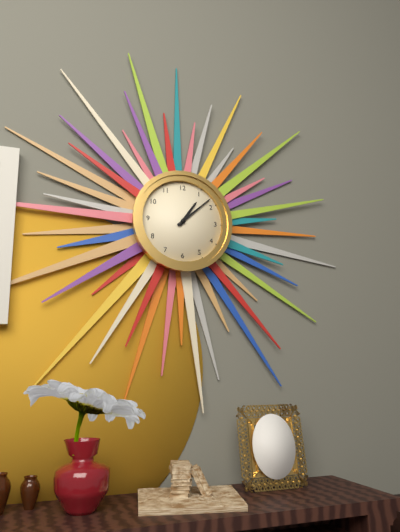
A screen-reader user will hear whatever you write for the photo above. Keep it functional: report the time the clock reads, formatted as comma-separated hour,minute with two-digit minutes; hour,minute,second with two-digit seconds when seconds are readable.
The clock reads 1,08
